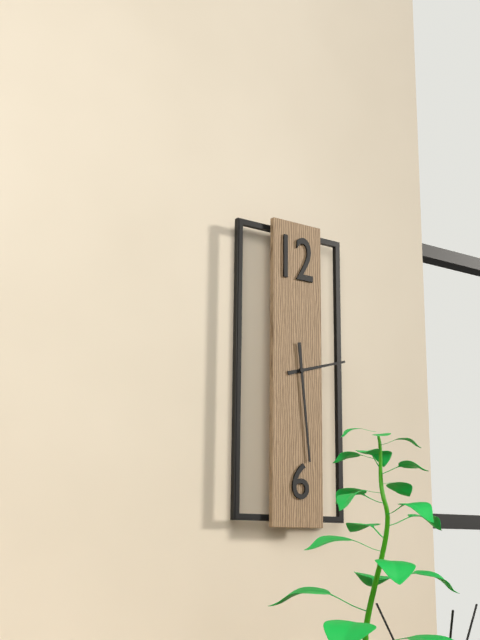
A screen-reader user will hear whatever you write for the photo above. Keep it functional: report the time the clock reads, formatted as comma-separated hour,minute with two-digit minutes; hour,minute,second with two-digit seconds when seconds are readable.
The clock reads 2,29
